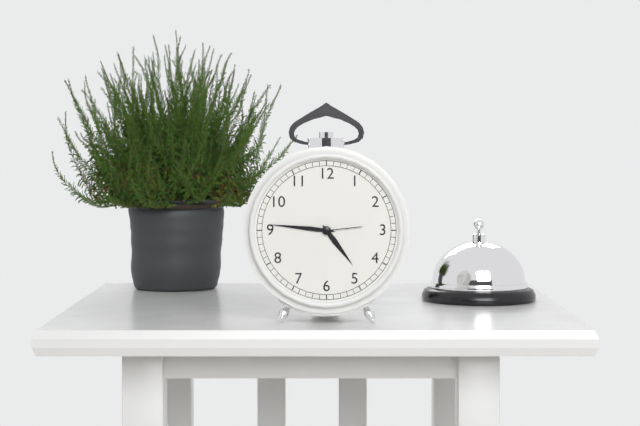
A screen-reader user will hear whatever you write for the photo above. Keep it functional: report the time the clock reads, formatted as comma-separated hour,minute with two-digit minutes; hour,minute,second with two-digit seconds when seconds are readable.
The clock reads 4,46
